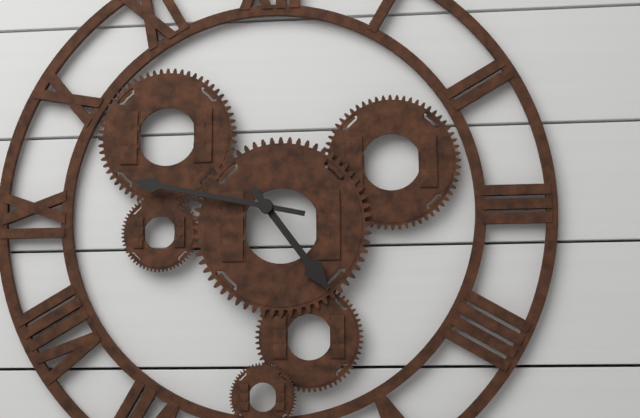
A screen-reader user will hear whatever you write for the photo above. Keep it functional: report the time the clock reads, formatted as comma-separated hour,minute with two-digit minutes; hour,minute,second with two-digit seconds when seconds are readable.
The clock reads 4,47
